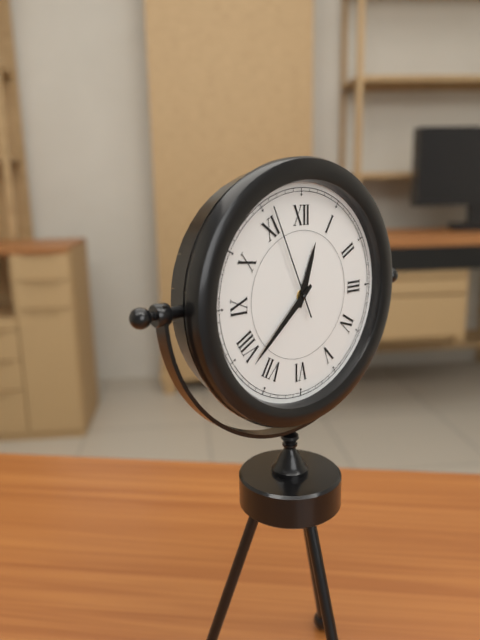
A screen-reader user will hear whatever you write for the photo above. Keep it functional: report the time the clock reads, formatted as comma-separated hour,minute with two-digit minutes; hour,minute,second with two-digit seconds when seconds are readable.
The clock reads 12,38,56
